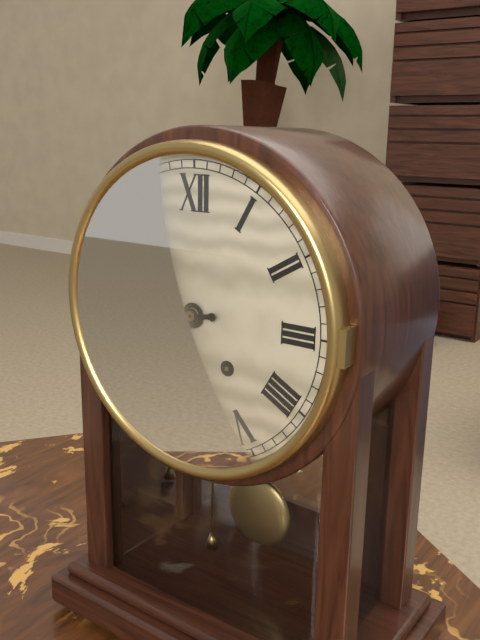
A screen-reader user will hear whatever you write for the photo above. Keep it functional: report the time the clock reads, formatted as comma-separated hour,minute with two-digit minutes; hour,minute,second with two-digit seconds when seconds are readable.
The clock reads 6,44
